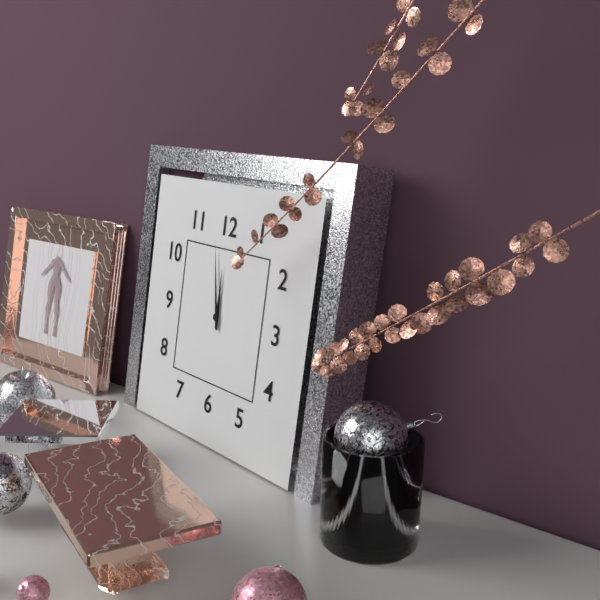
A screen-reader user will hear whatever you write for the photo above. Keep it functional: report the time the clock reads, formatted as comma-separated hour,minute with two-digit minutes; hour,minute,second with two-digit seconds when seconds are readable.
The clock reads 11,58
